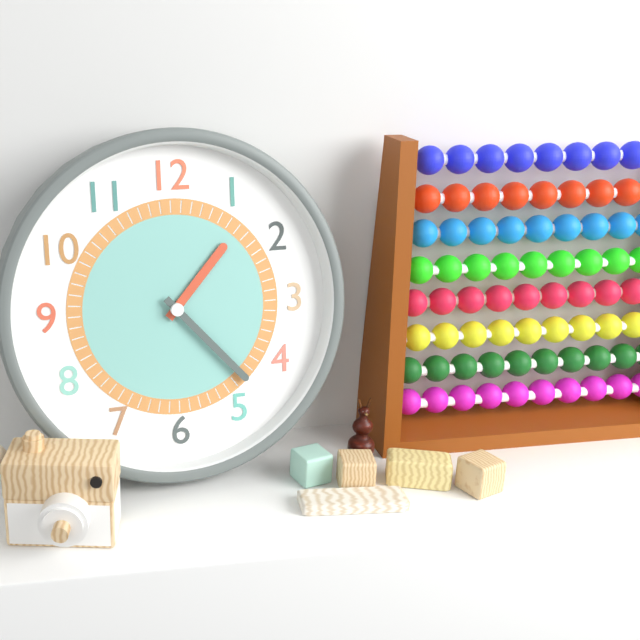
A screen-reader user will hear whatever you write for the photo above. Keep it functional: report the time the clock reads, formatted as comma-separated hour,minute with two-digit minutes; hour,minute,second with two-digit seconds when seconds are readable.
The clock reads 1,23
